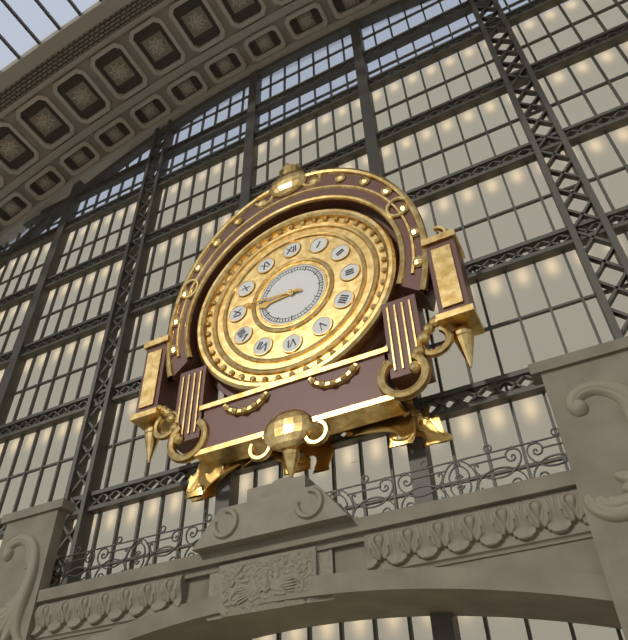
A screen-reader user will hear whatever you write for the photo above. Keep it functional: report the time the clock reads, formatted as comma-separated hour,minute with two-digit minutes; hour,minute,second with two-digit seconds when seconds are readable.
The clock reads 8,46
